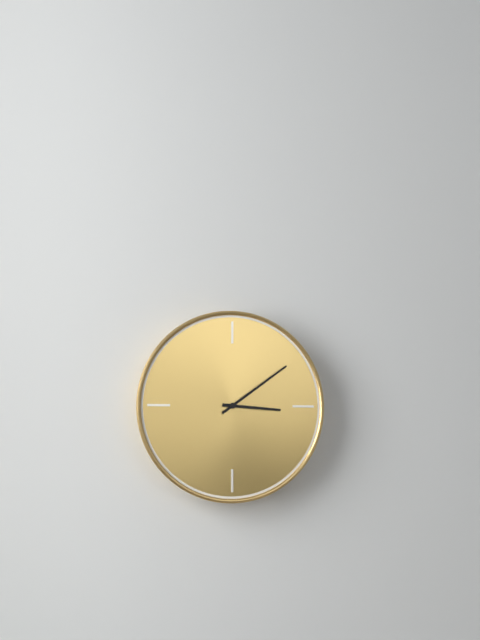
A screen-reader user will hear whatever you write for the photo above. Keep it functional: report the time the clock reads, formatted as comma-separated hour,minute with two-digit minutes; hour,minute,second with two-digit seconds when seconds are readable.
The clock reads 3,09
